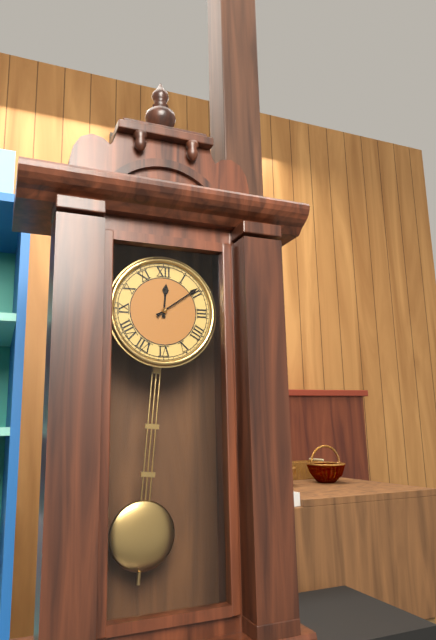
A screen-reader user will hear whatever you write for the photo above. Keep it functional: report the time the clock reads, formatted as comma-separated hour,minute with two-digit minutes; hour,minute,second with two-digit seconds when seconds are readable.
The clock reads 12,09
